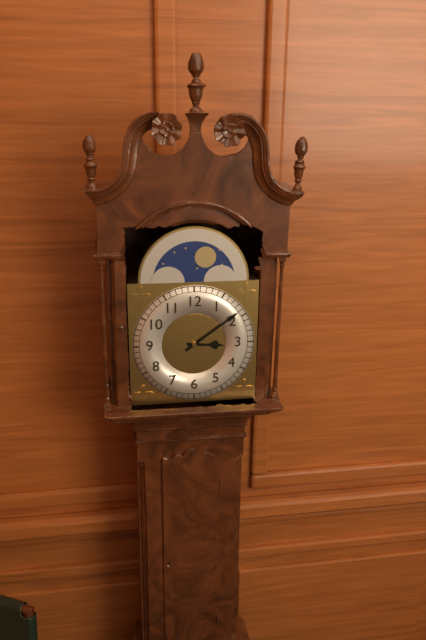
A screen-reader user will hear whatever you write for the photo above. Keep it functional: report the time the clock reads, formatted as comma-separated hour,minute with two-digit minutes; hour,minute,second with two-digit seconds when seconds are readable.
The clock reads 3,09
